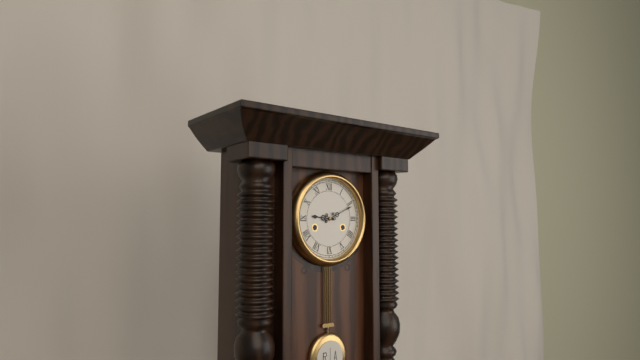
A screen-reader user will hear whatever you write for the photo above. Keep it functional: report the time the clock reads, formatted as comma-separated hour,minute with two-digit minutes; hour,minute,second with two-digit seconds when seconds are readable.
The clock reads 9,11
